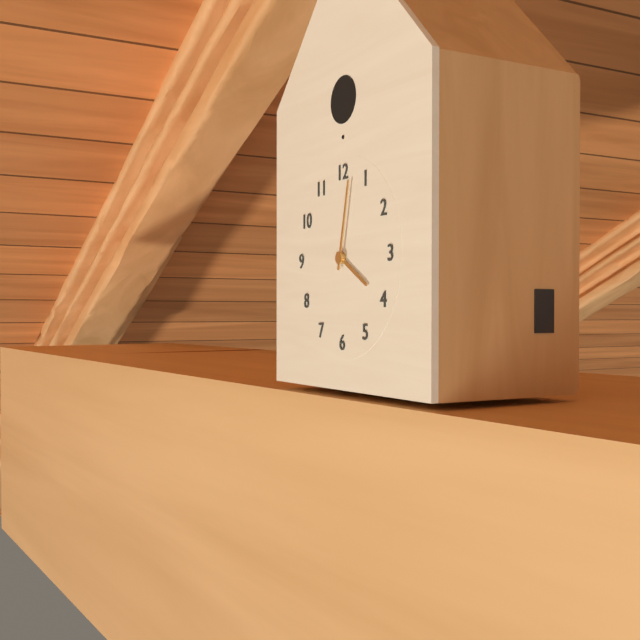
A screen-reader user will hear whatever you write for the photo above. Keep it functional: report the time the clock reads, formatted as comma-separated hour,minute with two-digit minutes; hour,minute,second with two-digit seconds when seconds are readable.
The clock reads 4,02
